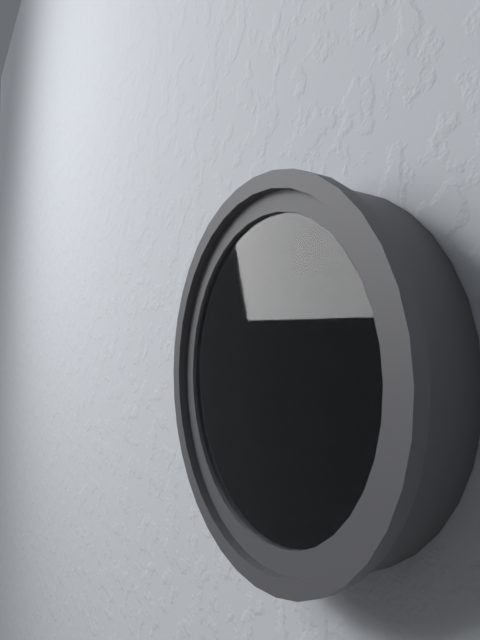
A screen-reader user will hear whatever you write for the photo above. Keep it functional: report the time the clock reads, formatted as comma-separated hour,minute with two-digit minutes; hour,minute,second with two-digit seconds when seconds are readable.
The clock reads 12,09,02
